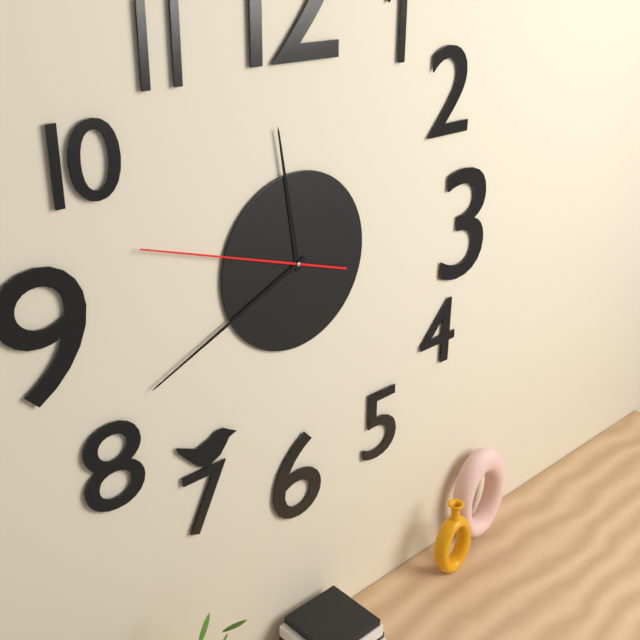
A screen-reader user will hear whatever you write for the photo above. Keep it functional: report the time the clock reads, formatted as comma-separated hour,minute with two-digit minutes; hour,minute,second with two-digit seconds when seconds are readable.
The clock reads 11,41,48
